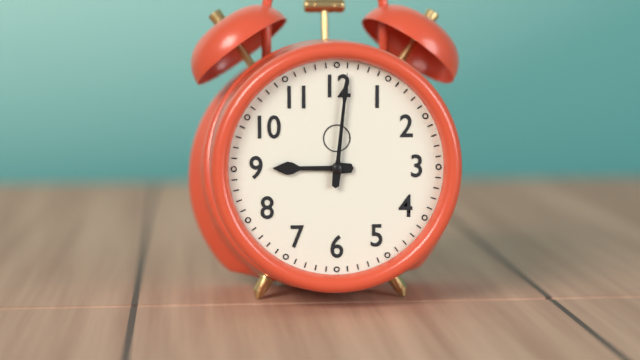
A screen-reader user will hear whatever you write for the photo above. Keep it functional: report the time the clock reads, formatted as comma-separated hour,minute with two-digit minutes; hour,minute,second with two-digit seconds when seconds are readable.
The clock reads 9,01
